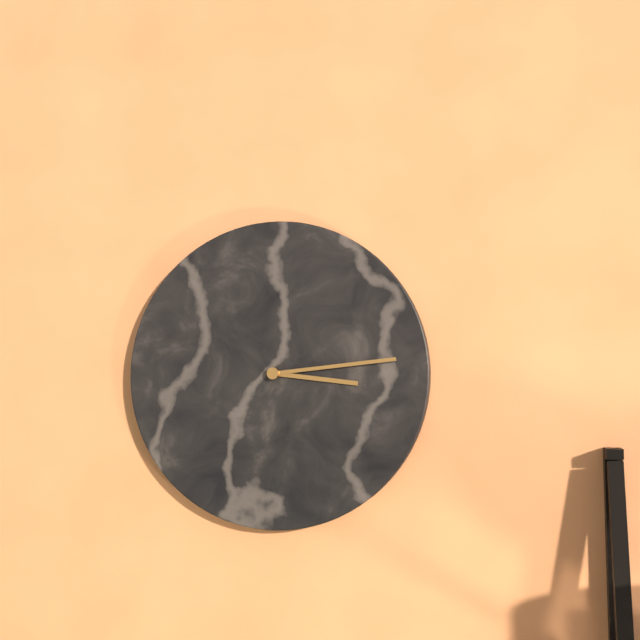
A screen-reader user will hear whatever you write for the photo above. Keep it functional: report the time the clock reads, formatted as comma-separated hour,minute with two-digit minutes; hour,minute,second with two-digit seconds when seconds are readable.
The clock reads 3,14
